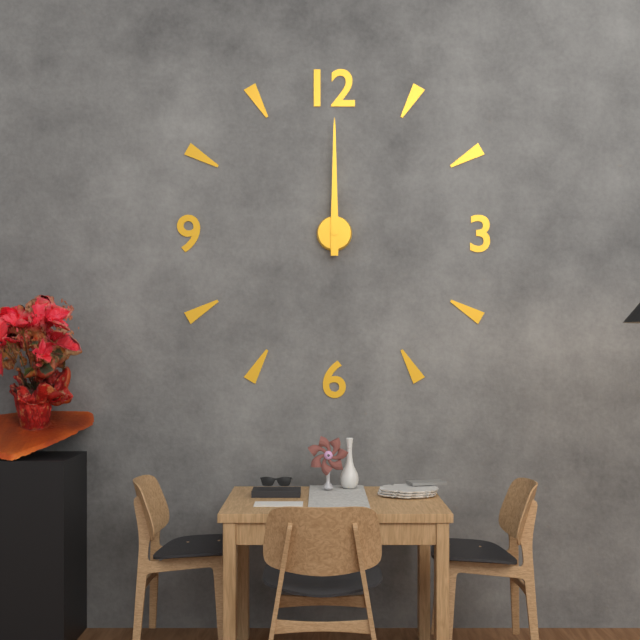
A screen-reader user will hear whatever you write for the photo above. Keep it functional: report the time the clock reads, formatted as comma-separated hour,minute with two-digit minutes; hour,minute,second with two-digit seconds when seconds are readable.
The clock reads 12,00
